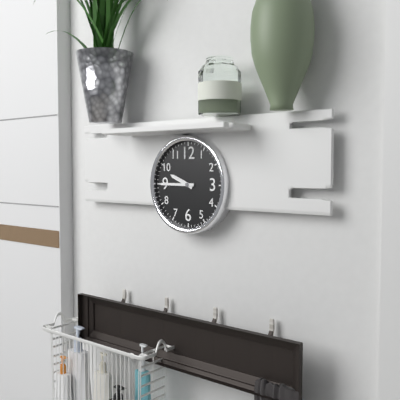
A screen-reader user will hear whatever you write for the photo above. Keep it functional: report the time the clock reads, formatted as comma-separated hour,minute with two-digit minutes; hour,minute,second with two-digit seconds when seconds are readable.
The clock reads 9,45
